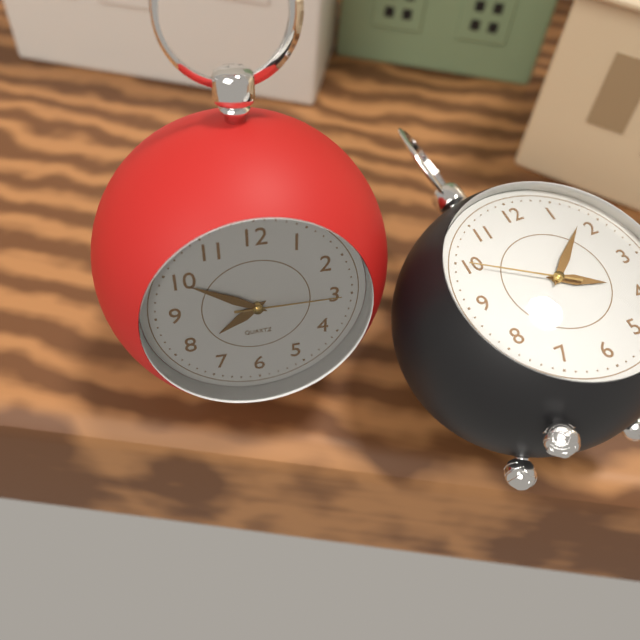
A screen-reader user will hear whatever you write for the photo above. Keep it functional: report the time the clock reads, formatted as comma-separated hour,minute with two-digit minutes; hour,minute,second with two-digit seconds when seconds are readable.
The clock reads 7,50,15
